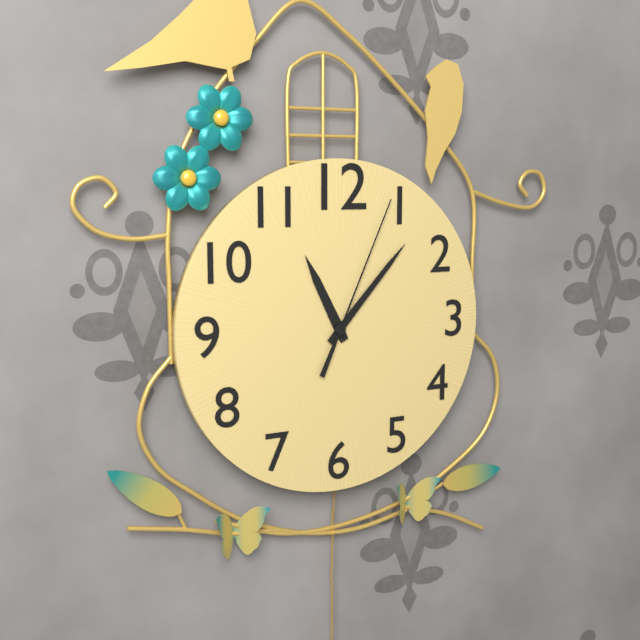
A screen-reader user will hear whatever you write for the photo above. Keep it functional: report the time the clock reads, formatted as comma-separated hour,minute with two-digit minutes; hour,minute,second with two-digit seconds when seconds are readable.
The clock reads 11,07,04
